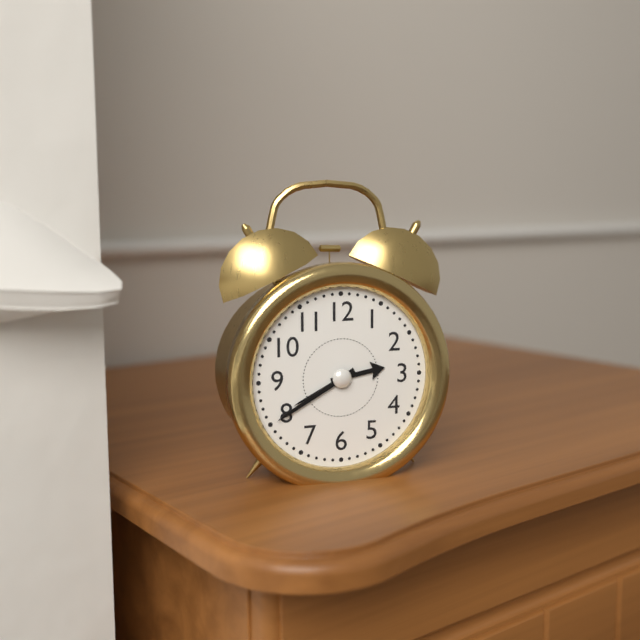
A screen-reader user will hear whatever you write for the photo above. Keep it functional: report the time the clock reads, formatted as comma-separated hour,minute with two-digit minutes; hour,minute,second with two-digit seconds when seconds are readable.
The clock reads 2,40
